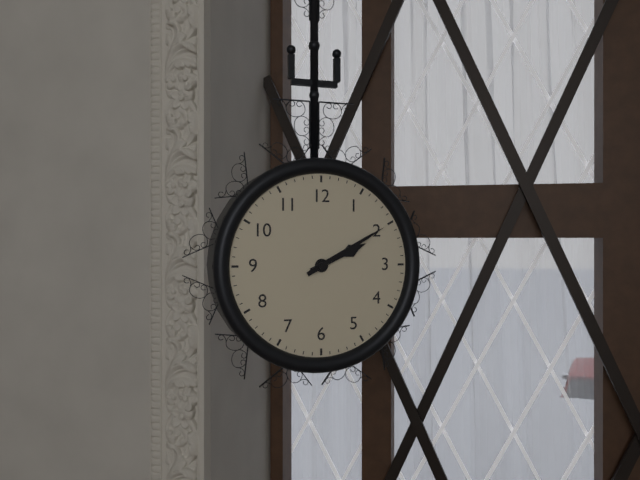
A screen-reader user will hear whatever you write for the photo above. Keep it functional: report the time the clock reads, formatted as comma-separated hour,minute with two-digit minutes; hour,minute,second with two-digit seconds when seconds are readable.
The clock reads 2,10
